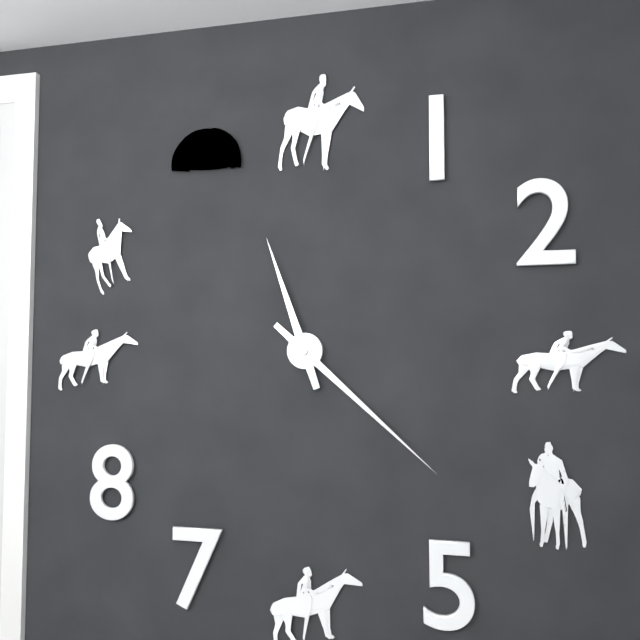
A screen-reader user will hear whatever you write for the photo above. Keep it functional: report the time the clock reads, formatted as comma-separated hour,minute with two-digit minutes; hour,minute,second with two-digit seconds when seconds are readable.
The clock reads 11,22
